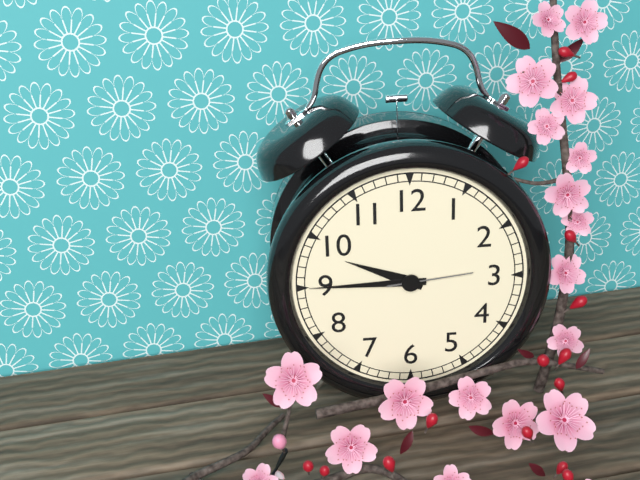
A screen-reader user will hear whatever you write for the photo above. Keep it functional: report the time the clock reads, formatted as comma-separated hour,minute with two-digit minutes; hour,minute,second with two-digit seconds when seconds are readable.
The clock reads 9,45,14
